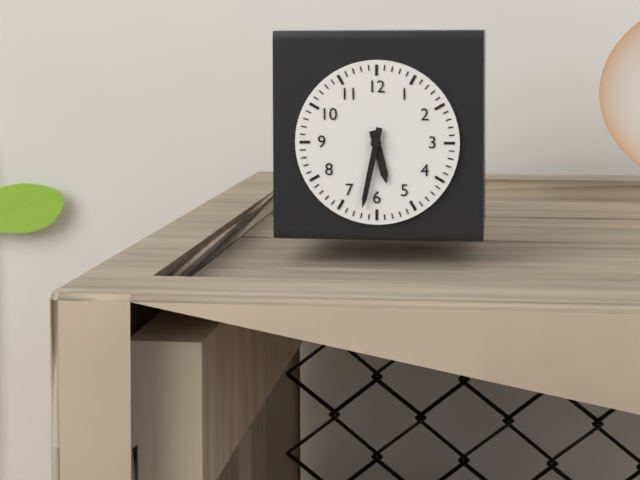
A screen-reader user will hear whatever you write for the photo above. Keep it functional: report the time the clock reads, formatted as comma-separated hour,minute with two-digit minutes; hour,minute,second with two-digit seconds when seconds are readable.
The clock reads 5,32
